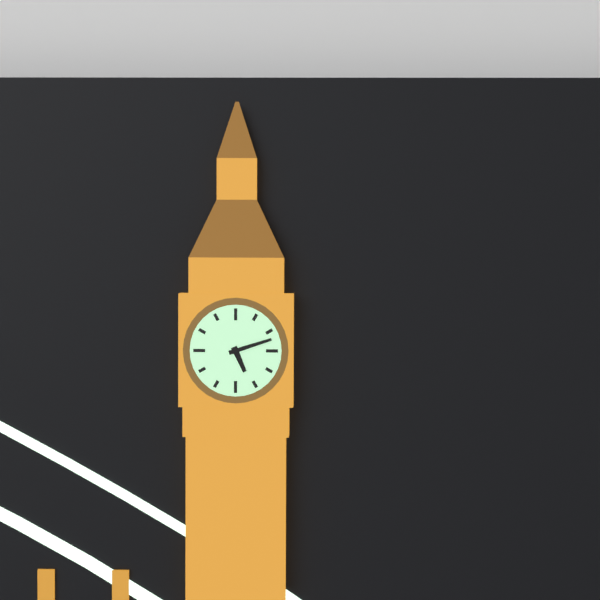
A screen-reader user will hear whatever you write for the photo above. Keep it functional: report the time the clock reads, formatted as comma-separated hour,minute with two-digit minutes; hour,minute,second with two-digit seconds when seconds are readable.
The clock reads 5,12
